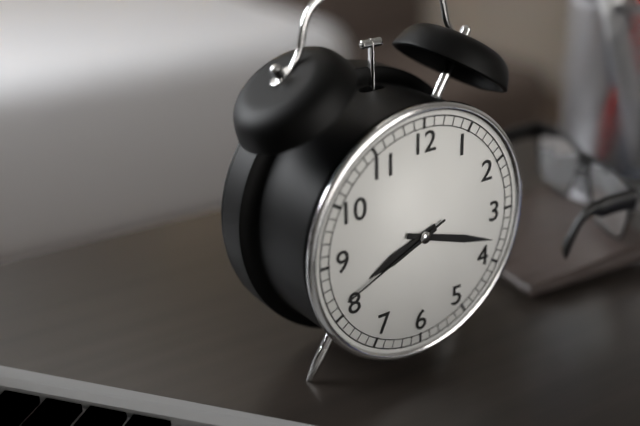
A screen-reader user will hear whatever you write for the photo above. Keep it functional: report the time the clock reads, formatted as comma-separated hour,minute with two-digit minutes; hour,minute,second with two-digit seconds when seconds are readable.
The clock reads 8,18,41
